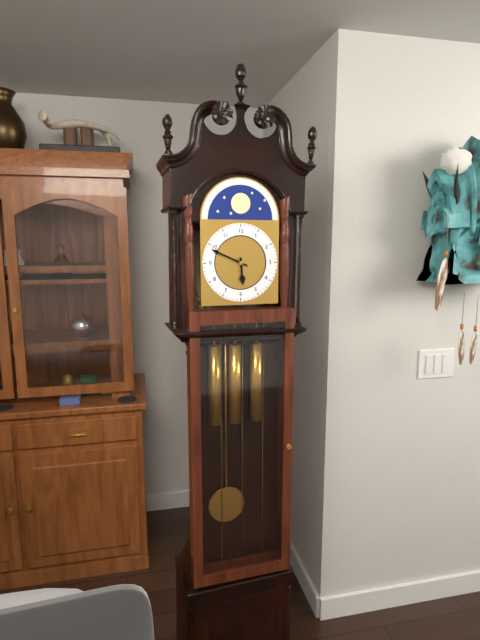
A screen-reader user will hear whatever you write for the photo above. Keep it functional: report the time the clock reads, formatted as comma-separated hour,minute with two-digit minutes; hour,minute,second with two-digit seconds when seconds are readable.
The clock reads 5,49
